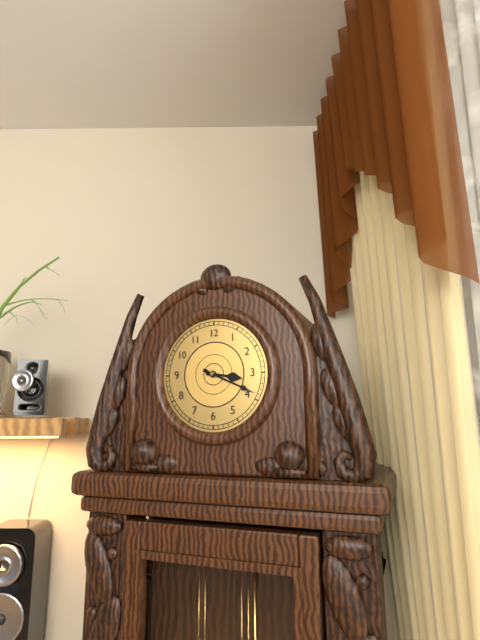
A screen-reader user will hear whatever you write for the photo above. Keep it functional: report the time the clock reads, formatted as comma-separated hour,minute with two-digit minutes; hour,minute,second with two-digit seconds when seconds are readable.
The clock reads 3,19
